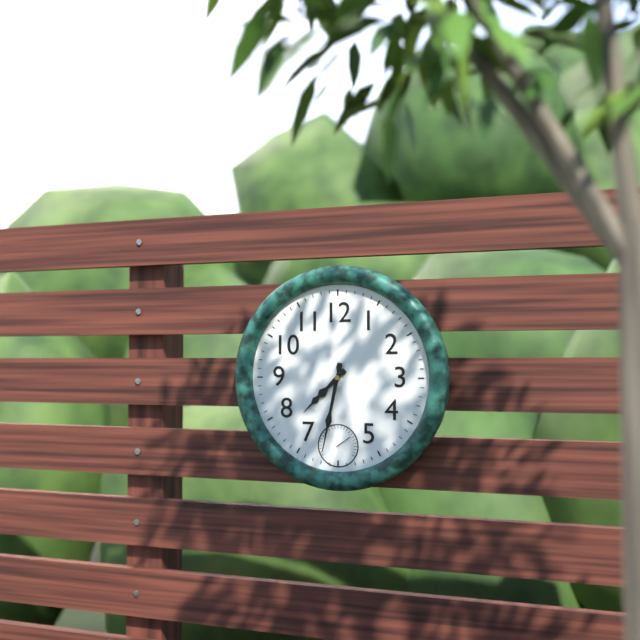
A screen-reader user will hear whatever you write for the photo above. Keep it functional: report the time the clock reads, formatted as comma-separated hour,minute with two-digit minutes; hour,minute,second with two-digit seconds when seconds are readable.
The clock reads 7,32
